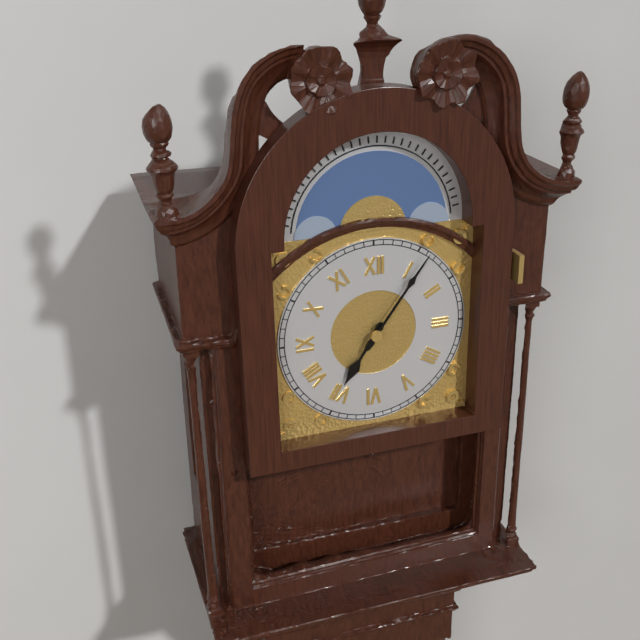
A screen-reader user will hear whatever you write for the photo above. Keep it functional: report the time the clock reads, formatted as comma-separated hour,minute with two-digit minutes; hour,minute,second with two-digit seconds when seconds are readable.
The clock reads 7,06
